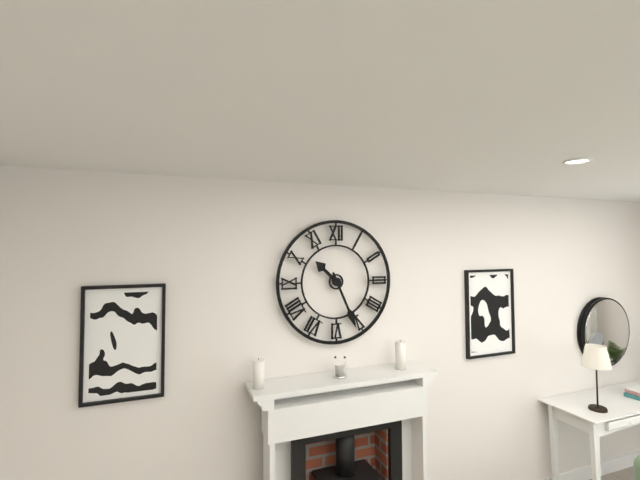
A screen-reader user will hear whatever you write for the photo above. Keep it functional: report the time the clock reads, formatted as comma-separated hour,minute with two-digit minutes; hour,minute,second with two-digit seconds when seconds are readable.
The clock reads 10,26
